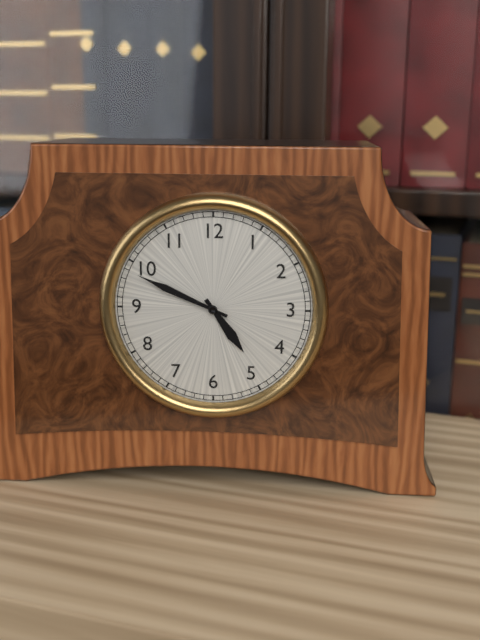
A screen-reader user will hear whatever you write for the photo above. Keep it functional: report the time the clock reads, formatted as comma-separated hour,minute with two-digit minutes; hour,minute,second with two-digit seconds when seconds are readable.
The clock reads 4,49
